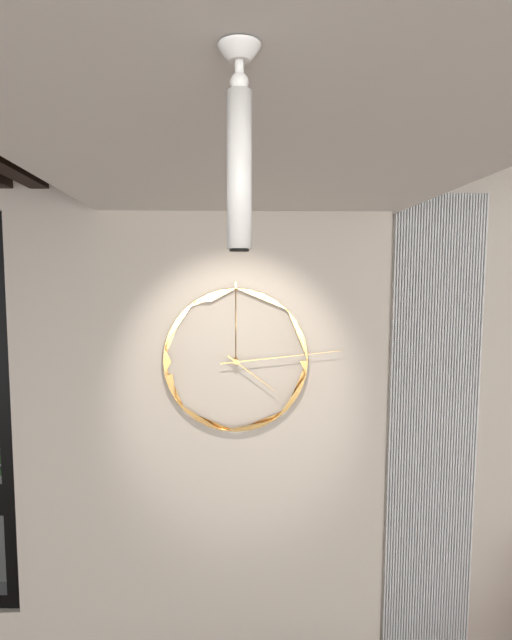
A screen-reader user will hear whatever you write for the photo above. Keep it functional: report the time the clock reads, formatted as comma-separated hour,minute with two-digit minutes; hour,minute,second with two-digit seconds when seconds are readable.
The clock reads 4,14
